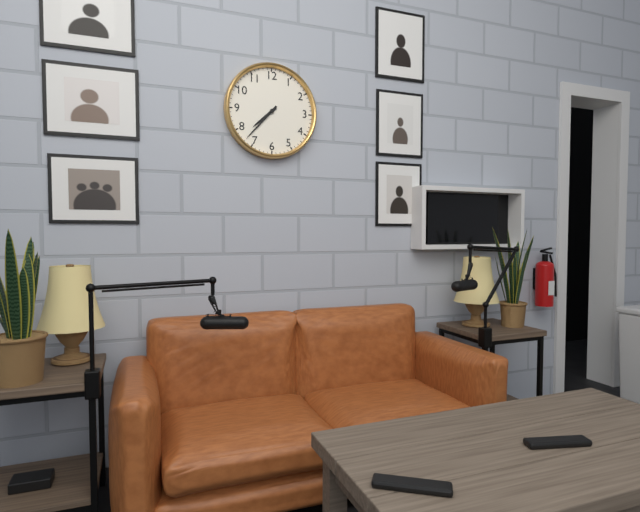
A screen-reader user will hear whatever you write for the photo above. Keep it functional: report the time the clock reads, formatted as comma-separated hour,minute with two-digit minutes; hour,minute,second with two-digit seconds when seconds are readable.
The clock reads 7,37
